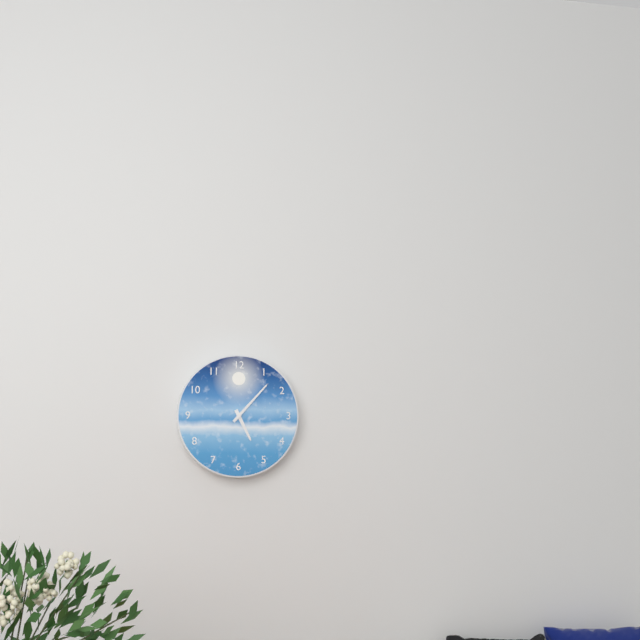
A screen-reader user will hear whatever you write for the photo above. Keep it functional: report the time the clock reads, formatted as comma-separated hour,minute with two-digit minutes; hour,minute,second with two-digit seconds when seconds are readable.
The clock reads 5,07
